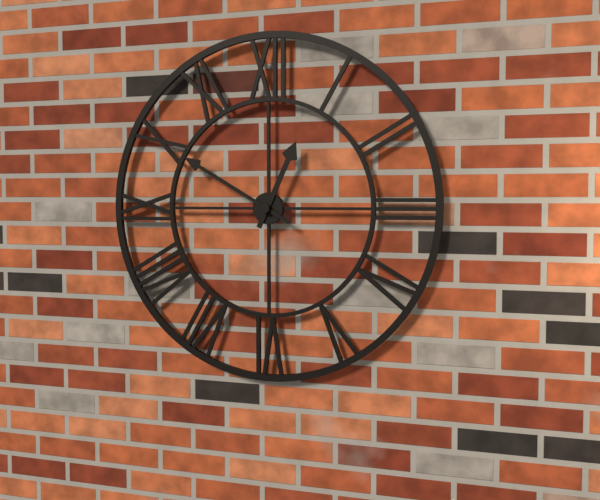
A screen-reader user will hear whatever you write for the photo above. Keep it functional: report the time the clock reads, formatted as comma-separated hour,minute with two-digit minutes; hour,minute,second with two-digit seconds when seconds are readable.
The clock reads 12,50
